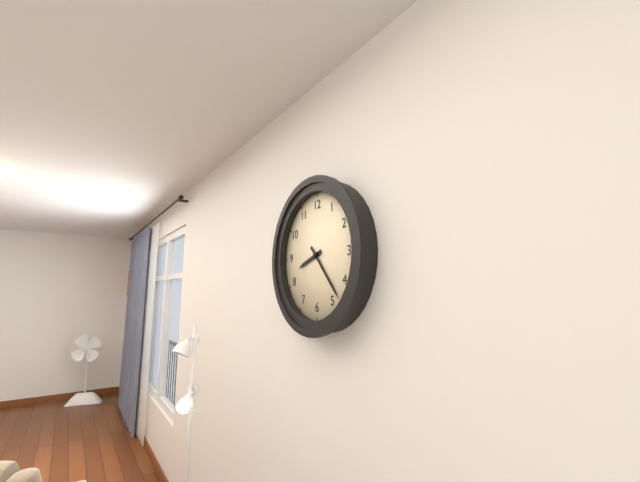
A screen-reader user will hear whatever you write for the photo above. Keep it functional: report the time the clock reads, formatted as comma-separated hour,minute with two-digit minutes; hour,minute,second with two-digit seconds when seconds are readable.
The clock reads 8,23
